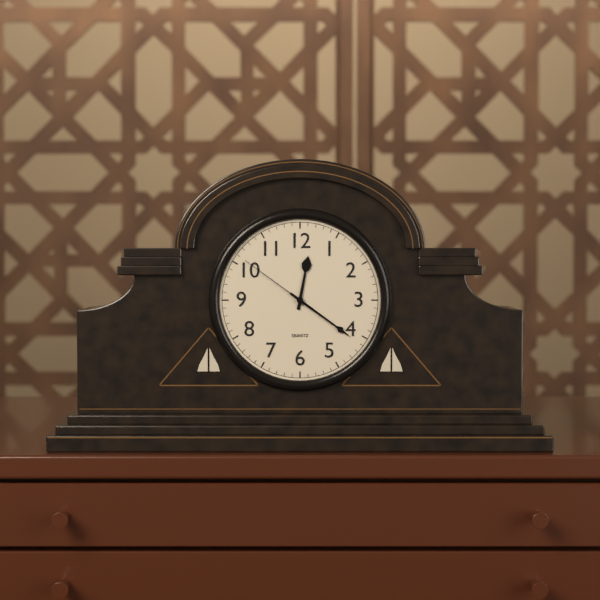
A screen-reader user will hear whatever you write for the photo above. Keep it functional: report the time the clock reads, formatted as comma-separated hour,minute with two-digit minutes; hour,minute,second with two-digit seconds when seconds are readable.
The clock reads 12,21,51
